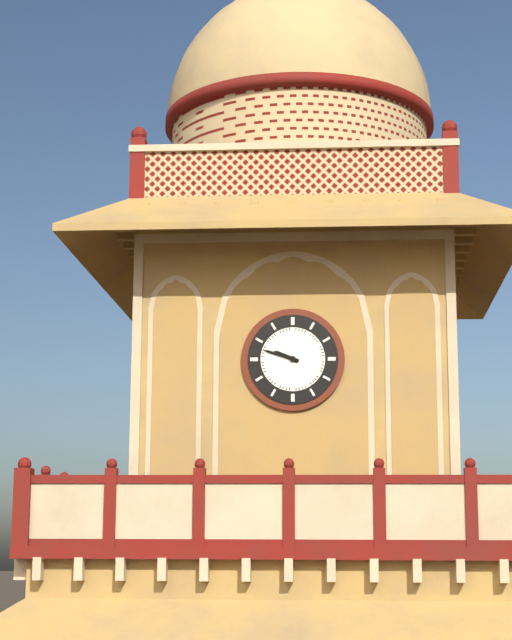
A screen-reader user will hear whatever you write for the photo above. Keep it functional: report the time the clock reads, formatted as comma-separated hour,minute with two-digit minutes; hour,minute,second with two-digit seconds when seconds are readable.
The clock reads 9,48
